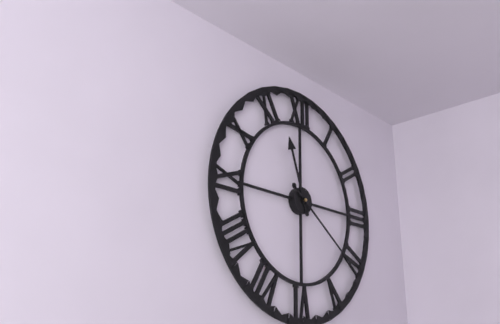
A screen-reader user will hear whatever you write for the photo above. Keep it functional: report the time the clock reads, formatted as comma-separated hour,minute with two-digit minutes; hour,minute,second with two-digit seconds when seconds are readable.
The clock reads 11,21
